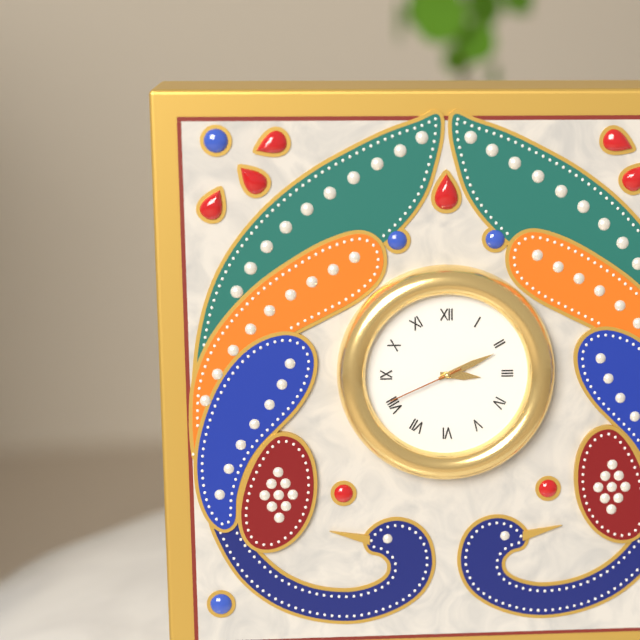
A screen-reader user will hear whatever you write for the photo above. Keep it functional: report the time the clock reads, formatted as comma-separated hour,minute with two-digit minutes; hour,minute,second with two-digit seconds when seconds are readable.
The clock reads 3,11,41
